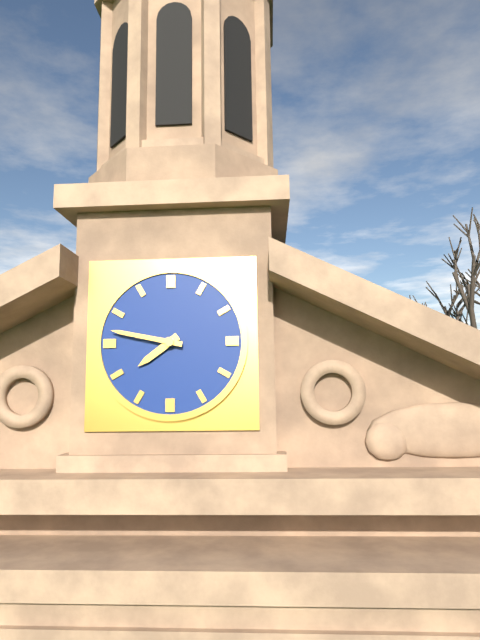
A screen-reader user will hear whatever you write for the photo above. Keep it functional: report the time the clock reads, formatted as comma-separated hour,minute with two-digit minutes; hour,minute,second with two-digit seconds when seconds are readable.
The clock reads 7,47
